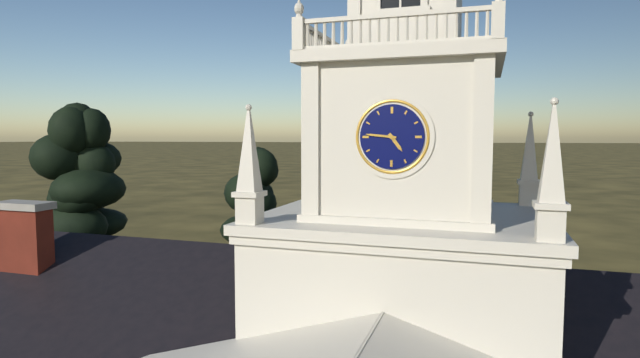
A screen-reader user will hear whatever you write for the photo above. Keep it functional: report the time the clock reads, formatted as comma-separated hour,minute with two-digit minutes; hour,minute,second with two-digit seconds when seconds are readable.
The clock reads 4,46
